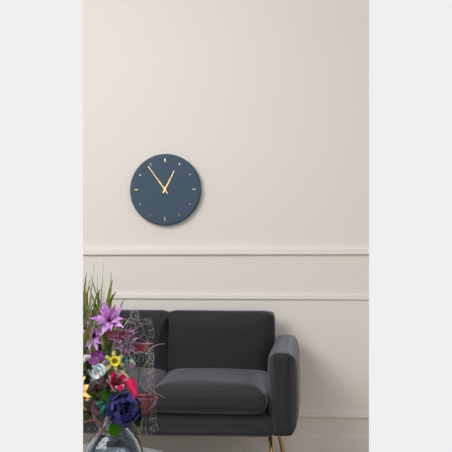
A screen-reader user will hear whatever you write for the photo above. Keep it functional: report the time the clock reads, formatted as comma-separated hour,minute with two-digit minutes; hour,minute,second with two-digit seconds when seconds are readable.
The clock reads 12,54
